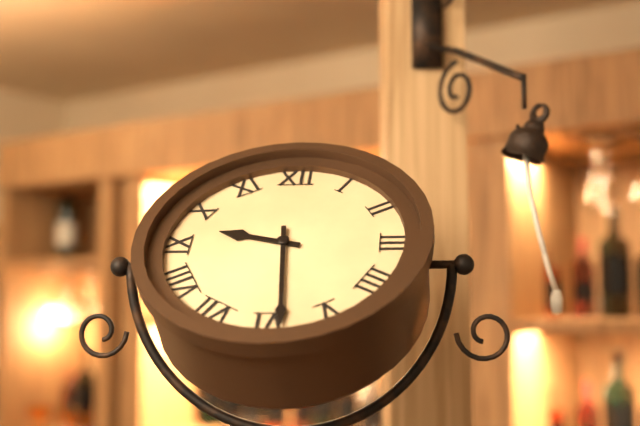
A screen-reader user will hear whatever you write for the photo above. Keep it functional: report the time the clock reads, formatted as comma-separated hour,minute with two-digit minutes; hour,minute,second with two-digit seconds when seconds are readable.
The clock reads 9,29
